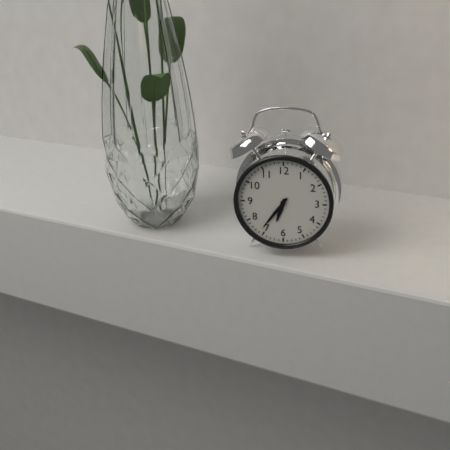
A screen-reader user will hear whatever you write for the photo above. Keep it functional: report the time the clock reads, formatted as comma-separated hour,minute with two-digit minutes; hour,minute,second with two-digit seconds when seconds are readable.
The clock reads 6,36
